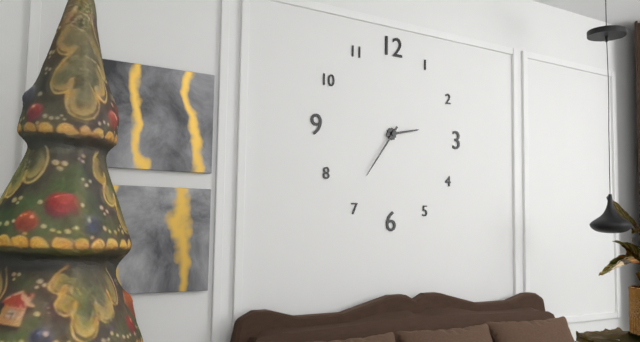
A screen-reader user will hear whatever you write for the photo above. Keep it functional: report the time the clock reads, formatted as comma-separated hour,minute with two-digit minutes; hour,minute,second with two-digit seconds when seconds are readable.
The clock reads 2,36
